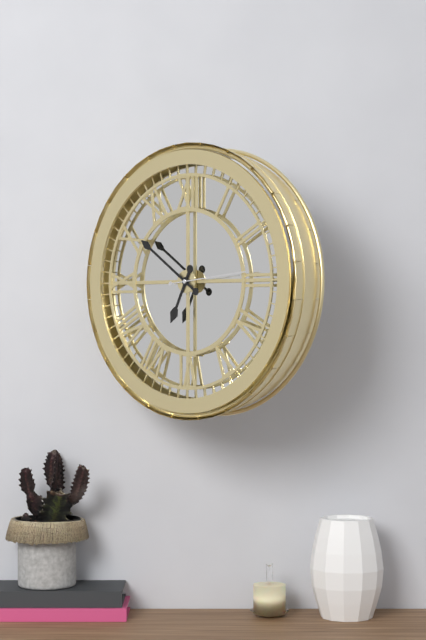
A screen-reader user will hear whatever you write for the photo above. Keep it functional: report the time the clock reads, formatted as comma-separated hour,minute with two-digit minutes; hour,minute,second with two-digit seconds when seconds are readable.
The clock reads 6,51,14
